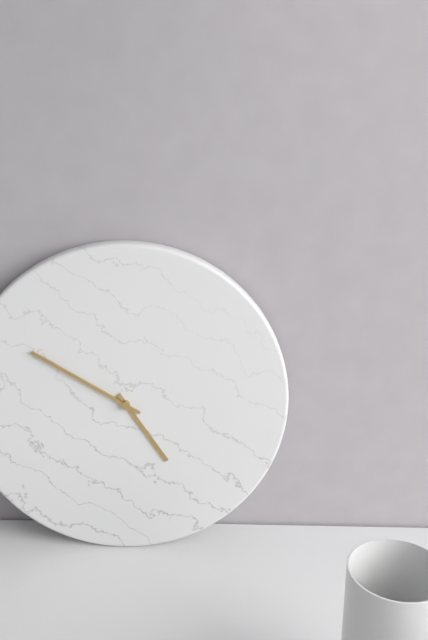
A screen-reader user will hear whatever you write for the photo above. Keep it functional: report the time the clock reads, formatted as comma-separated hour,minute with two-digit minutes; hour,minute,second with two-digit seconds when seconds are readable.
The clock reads 4,50
